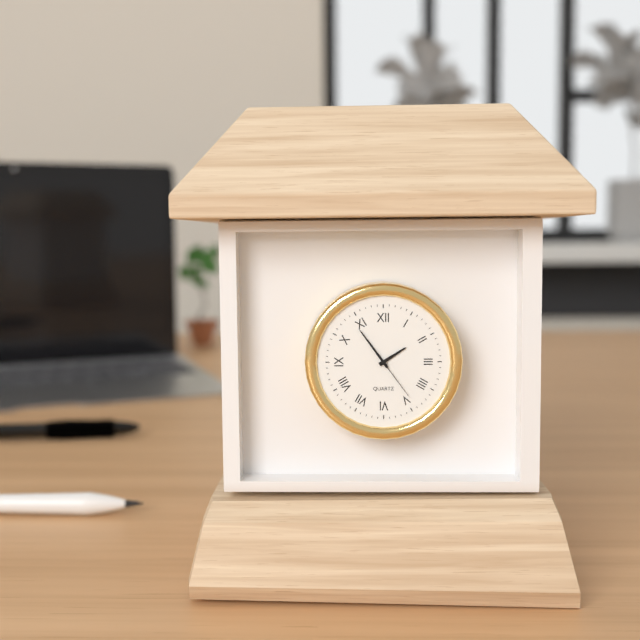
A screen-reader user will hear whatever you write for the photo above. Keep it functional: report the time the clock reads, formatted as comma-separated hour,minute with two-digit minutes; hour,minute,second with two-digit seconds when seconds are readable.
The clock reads 1,54,24
